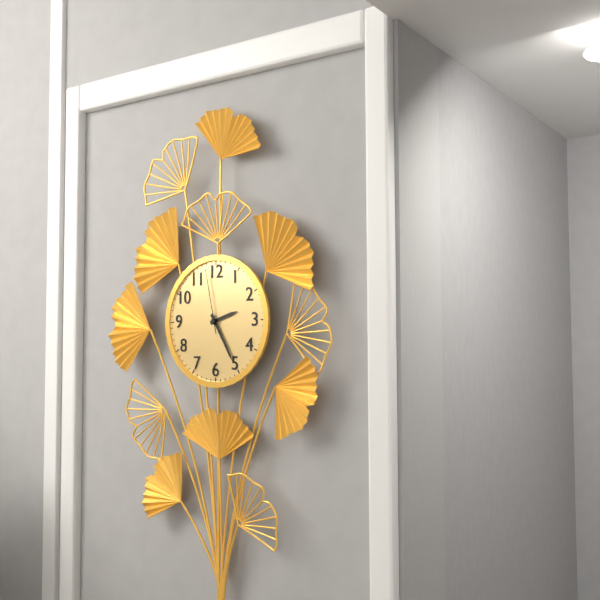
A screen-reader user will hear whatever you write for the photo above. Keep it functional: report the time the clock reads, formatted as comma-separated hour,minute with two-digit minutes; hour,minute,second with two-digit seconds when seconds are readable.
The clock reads 2,25,58
